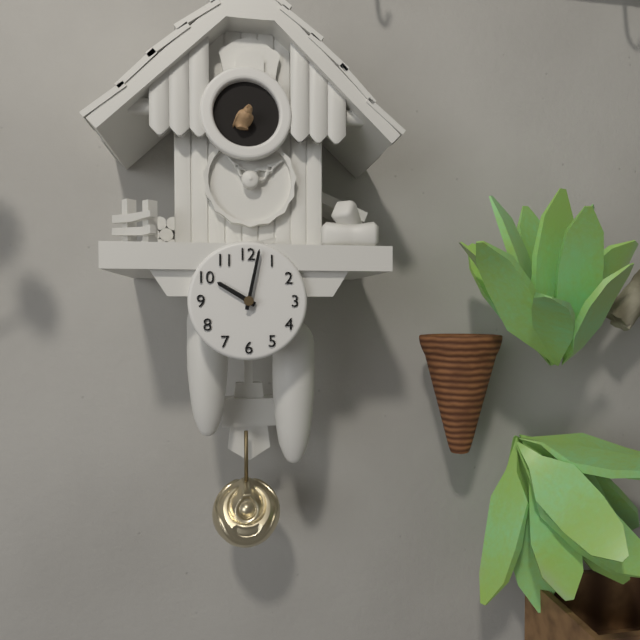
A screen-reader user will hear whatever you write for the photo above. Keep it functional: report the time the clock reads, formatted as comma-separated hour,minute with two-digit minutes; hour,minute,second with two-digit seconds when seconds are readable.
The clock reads 10,02
